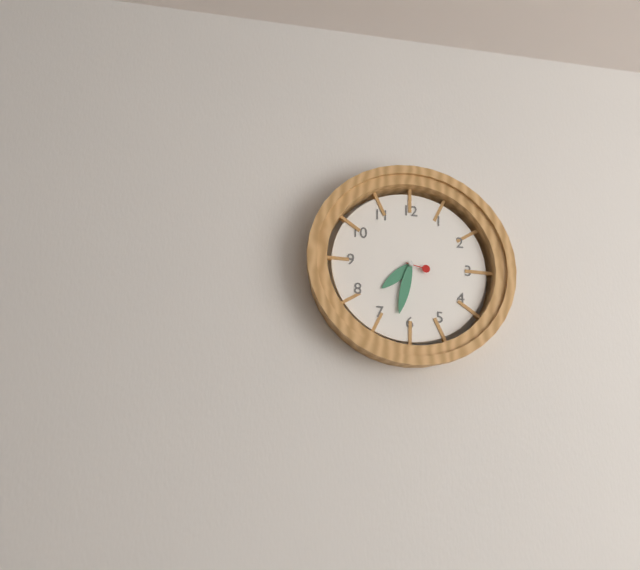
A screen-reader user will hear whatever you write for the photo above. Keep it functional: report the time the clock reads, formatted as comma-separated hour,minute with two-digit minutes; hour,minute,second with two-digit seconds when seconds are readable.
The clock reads 7,32
